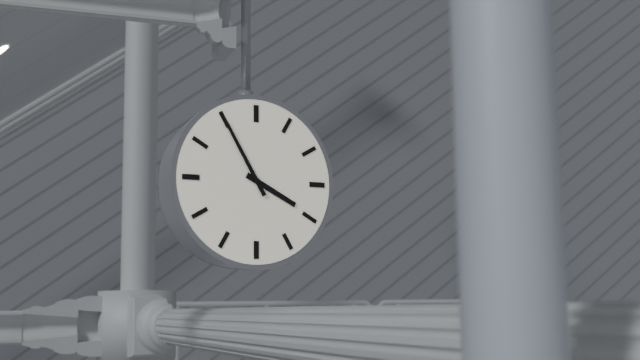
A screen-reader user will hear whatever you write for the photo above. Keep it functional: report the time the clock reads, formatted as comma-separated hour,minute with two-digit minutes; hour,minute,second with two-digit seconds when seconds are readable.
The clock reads 3,55
